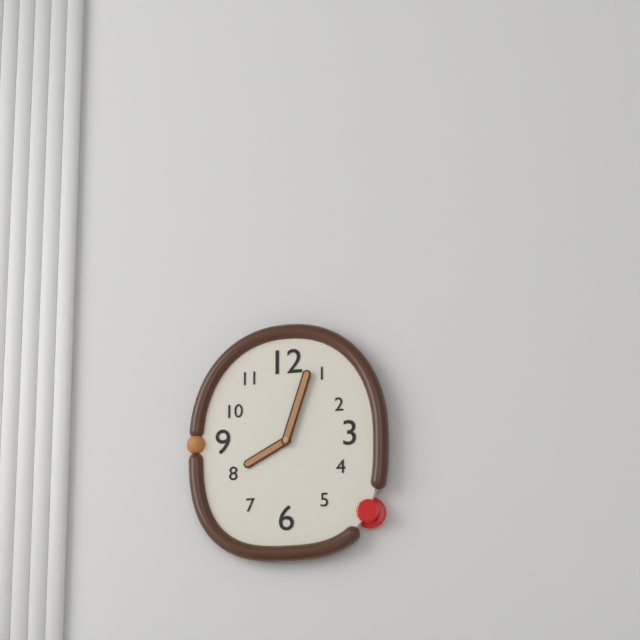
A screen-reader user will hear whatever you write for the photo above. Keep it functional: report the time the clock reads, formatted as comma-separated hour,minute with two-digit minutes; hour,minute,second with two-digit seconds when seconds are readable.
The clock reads 8,03
